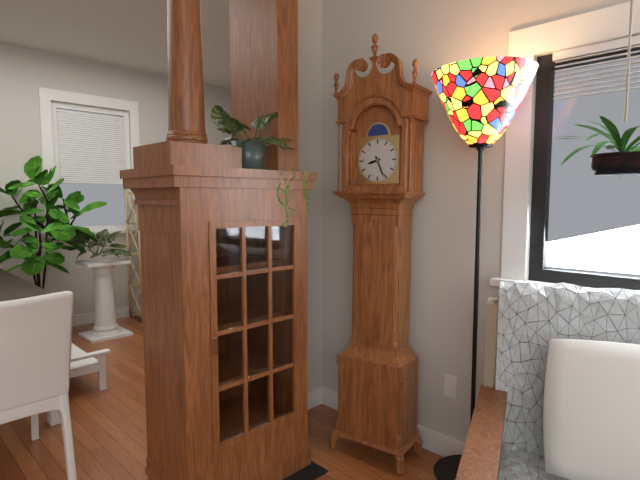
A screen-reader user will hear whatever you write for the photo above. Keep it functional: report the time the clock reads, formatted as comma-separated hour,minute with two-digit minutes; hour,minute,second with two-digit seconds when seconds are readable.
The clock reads 8,26
